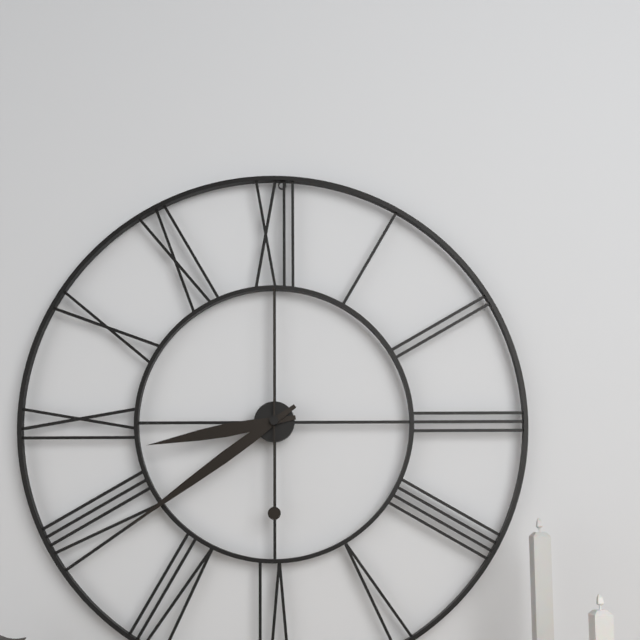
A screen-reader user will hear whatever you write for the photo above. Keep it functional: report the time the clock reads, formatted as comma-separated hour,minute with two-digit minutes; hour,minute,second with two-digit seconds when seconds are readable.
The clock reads 8,39,00
